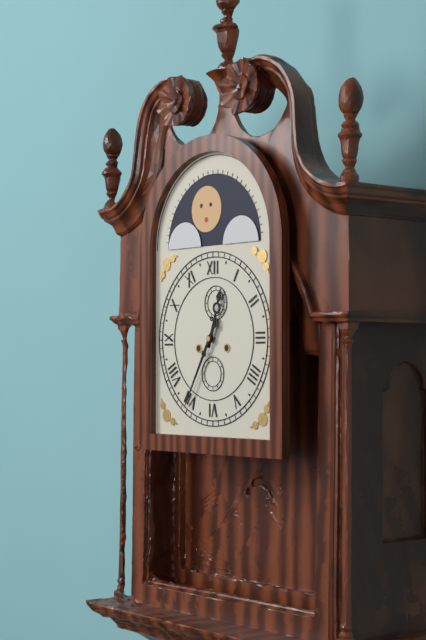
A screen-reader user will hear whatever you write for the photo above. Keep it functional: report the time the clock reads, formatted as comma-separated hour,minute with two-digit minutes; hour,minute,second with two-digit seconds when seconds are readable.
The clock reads 12,35
